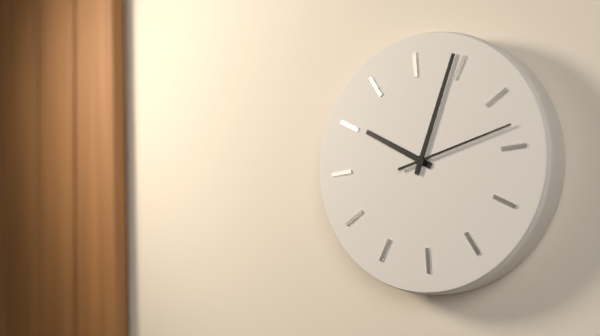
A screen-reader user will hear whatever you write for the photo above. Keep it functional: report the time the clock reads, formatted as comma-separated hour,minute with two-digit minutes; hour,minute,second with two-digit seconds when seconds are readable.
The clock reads 10,04,13
